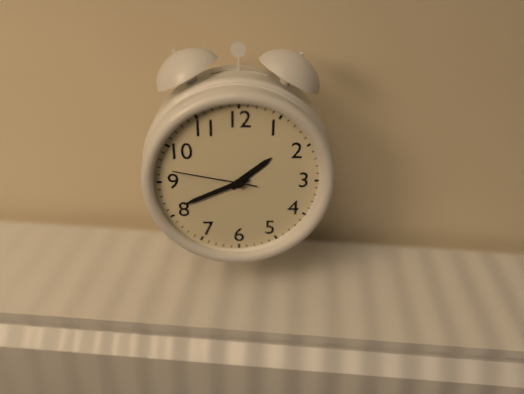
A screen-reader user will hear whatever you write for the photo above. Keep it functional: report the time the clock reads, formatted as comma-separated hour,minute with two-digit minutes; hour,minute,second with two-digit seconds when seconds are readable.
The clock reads 1,41,47
